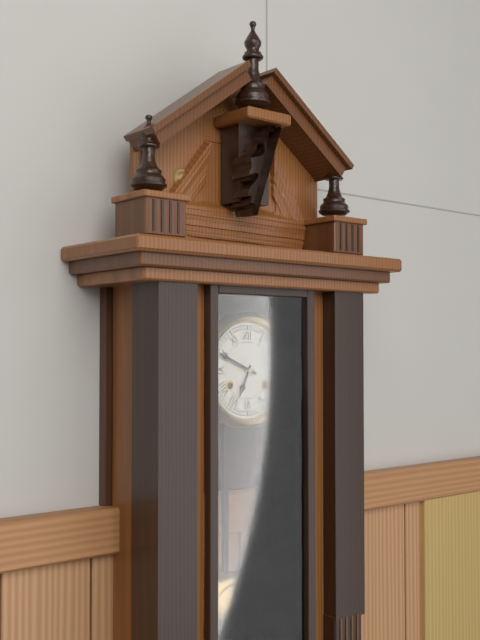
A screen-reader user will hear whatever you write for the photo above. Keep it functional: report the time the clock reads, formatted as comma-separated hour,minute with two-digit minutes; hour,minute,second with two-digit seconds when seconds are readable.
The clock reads 6,49
